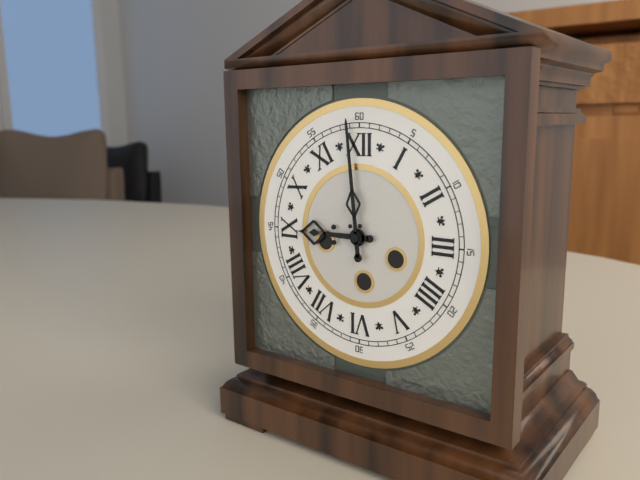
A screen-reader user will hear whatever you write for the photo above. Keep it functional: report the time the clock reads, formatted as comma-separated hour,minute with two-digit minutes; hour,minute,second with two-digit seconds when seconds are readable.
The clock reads 8,59
